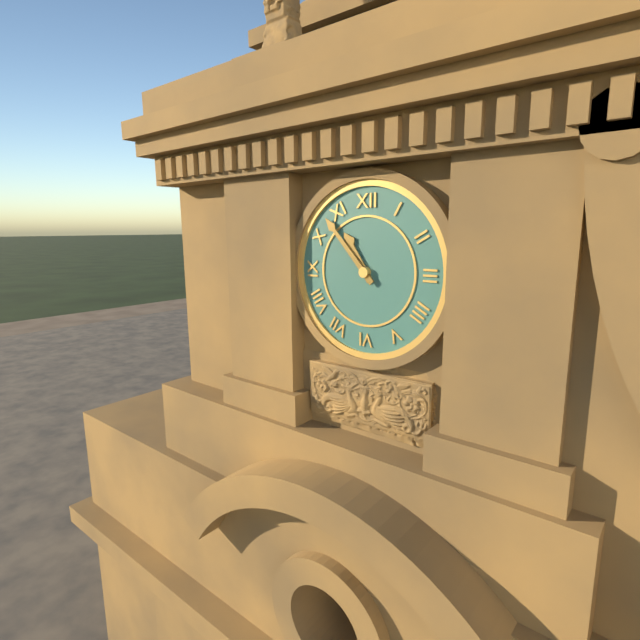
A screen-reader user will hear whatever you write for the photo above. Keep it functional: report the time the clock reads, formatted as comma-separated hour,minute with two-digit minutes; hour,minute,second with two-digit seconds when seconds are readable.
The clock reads 10,53
